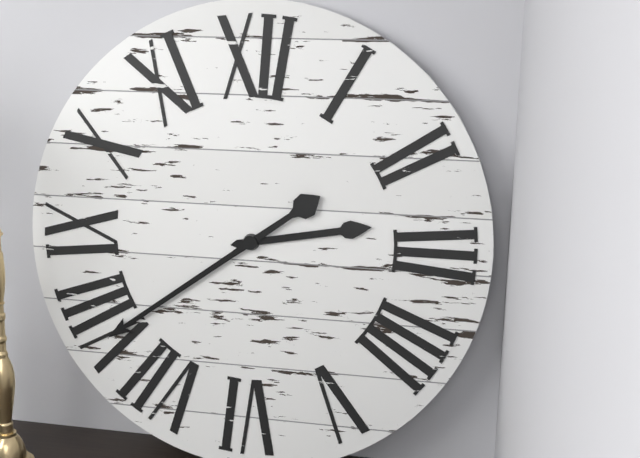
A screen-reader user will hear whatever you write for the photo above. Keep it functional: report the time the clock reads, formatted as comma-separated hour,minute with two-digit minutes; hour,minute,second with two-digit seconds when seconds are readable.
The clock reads 2,39
